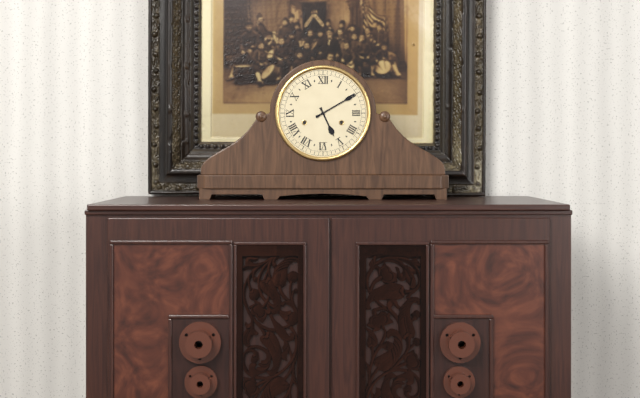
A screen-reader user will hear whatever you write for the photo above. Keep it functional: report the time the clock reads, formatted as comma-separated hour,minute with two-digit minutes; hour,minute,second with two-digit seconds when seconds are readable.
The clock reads 5,10
